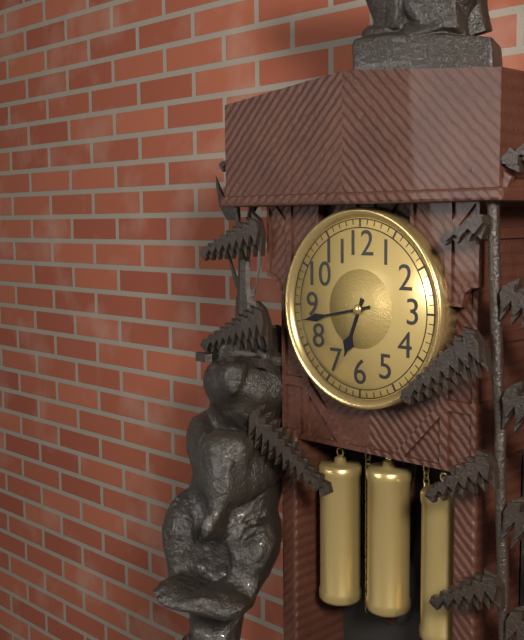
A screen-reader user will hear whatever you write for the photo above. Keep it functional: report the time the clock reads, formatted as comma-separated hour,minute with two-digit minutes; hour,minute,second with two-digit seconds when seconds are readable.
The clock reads 6,43
